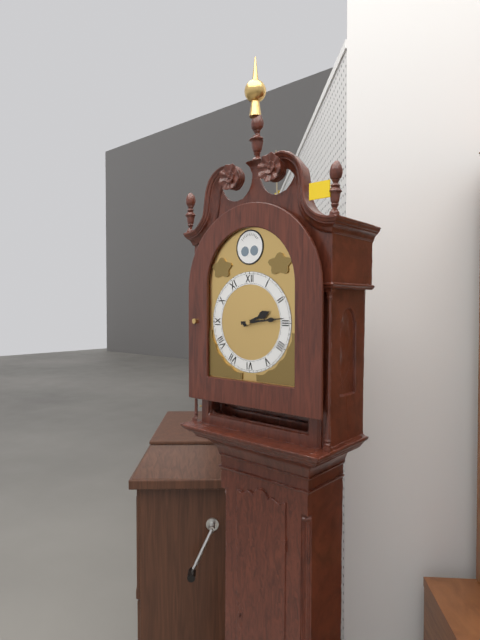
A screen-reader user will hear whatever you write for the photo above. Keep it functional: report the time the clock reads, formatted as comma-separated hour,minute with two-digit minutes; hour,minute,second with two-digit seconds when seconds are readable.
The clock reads 2,14
